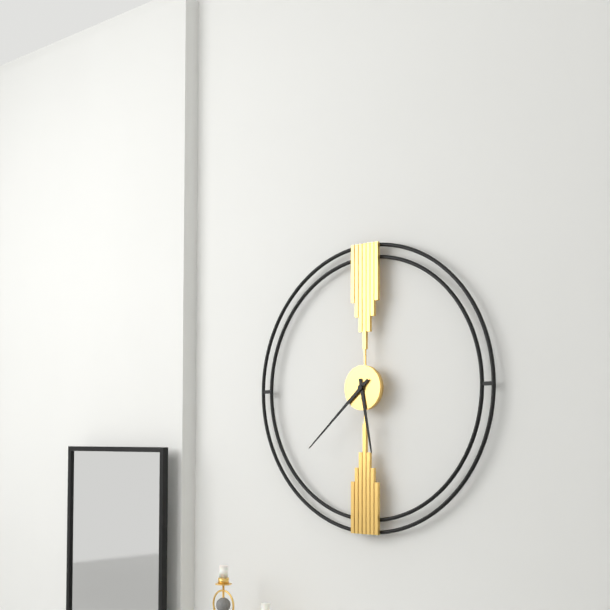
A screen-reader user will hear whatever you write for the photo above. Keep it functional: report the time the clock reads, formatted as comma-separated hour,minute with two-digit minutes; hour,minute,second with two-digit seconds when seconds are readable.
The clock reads 5,38
